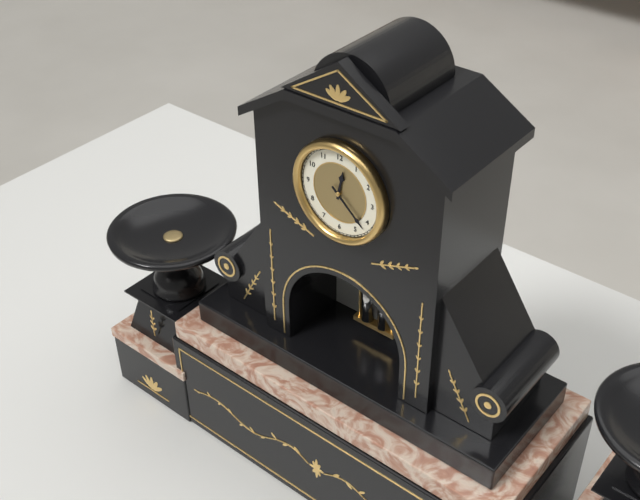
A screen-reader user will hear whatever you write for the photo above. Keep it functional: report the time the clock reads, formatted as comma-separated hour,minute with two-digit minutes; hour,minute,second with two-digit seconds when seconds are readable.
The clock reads 12,22
